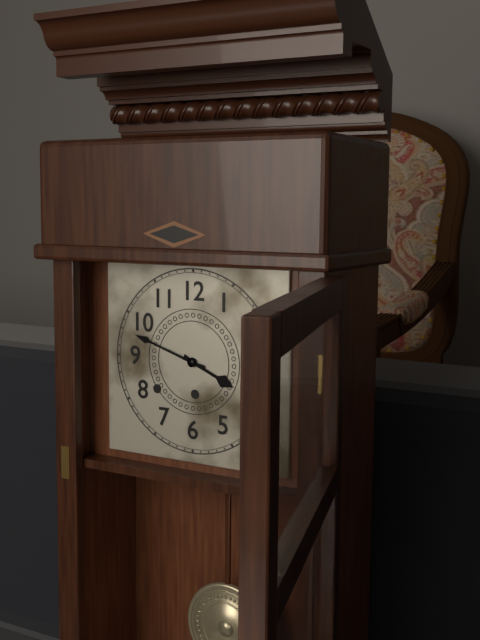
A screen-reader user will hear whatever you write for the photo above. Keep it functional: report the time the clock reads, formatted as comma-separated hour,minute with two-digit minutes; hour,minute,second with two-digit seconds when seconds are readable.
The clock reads 3,48
